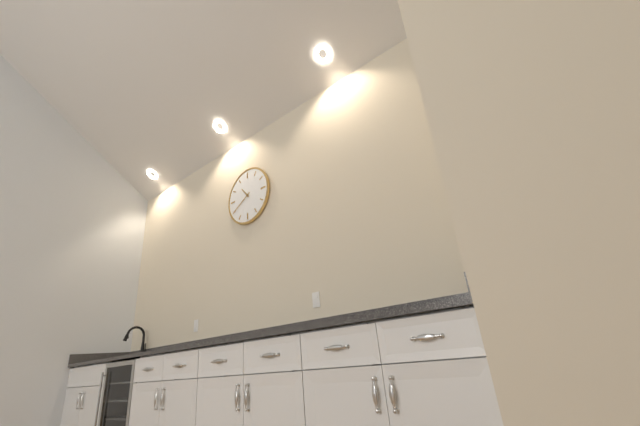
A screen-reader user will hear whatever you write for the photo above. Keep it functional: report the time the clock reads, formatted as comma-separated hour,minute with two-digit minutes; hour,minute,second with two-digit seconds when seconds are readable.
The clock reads 10,40
